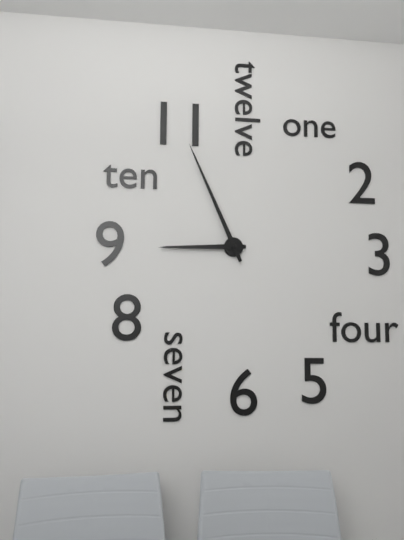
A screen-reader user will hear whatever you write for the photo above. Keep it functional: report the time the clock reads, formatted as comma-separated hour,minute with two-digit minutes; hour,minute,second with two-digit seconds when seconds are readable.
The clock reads 8,56
